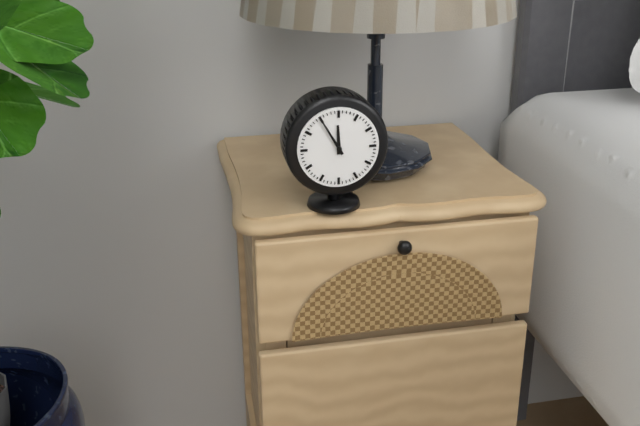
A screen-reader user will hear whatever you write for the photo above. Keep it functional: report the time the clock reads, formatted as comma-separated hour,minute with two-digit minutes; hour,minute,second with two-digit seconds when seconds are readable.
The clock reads 11,55
